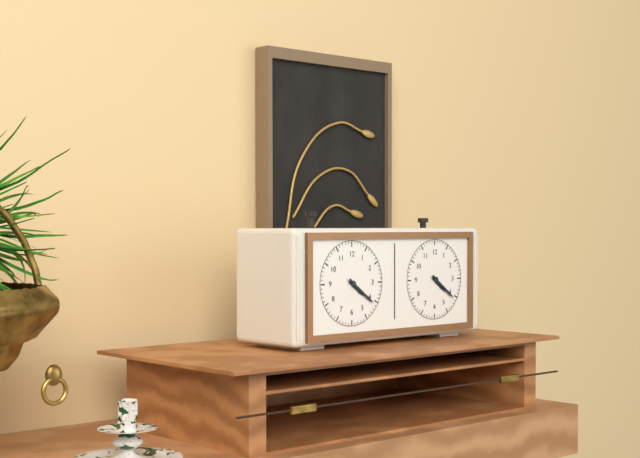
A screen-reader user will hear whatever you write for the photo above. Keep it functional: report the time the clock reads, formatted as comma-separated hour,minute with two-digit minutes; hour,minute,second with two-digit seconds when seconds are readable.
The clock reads 4,21
